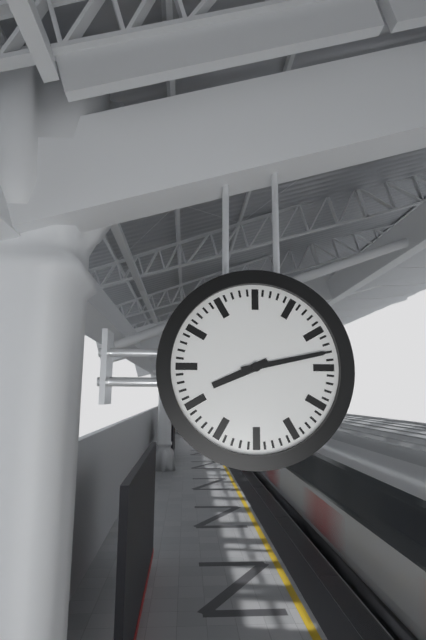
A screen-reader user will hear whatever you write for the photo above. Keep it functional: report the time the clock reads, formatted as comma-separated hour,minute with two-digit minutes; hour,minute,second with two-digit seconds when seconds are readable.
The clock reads 8,13
